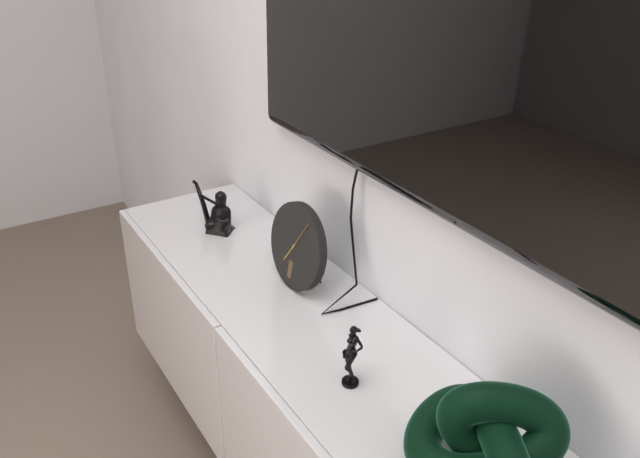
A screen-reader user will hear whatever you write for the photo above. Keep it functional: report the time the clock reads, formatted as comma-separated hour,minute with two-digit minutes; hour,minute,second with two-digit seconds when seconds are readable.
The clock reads 7,05
